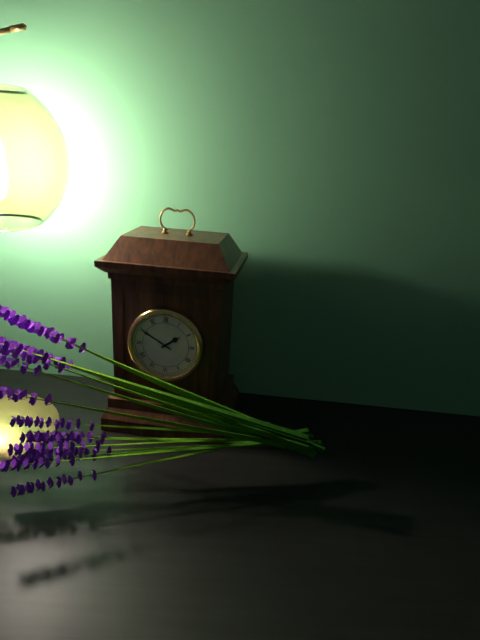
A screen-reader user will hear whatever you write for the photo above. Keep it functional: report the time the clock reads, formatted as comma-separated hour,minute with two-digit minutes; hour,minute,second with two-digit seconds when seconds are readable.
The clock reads 1,50
